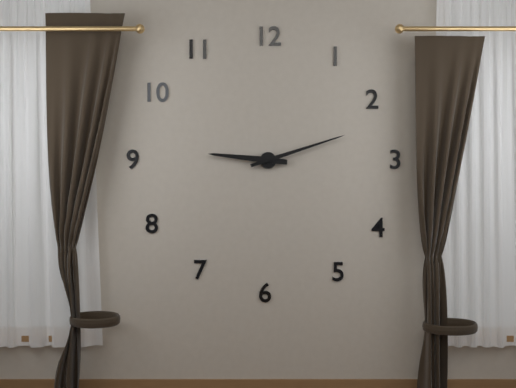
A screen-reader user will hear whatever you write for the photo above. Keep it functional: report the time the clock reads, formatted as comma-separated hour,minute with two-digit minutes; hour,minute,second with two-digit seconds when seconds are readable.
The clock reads 9,12
